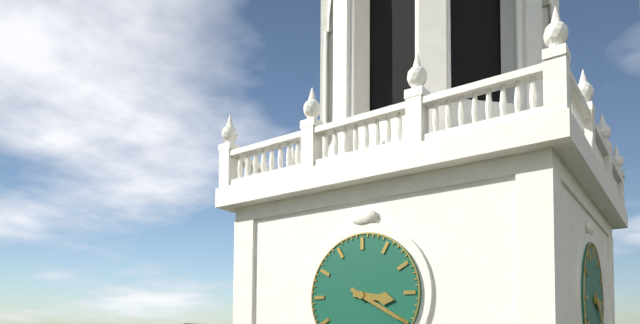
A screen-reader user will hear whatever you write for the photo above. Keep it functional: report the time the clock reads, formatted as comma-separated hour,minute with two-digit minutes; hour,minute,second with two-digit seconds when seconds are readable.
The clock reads 3,20
